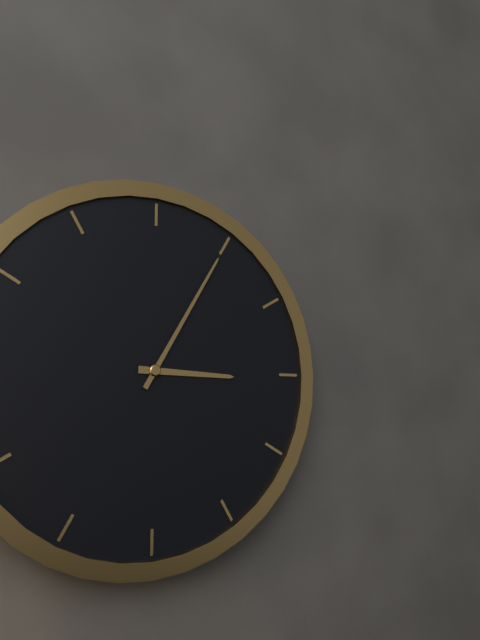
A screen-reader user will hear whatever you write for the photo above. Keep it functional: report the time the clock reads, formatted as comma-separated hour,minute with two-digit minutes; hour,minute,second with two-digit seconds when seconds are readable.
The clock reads 3,05
